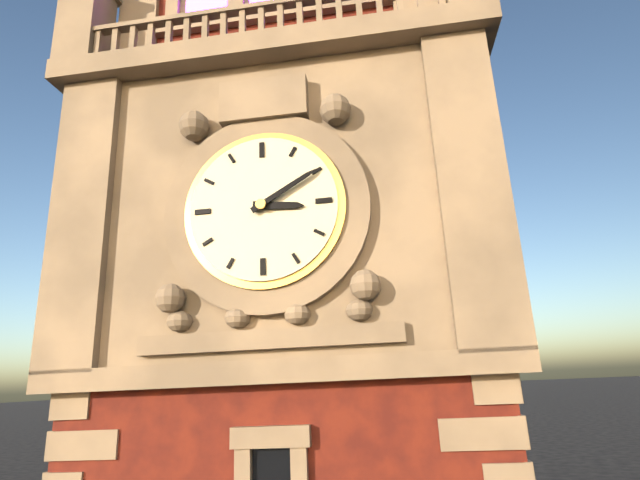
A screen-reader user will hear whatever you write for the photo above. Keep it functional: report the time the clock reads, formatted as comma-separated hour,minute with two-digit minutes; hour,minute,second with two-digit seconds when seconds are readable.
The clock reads 3,10
